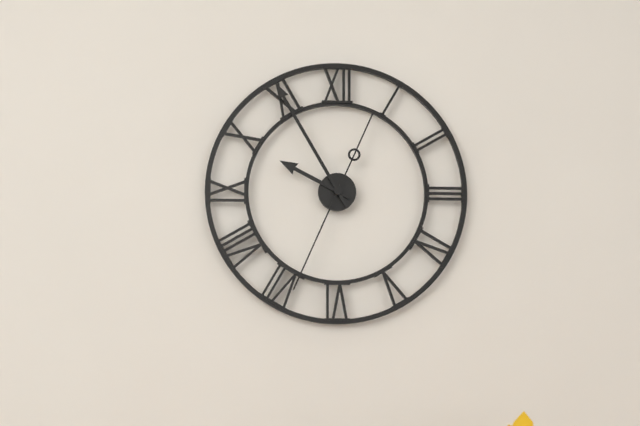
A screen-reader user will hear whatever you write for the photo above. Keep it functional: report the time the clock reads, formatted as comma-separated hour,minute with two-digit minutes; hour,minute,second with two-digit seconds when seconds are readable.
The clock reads 9,55,34
